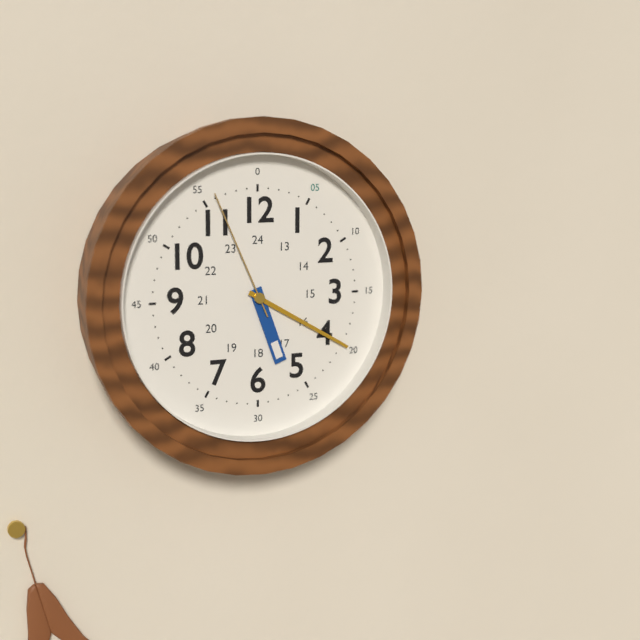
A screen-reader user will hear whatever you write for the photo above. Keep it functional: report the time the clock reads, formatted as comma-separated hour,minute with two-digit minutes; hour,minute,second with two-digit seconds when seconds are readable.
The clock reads 5,20,56
